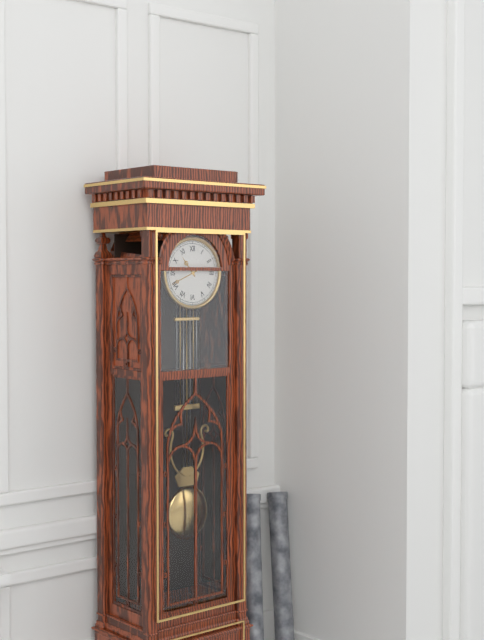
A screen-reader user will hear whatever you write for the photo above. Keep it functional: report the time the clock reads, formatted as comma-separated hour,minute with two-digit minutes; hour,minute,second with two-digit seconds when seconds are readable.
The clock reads 10,41
